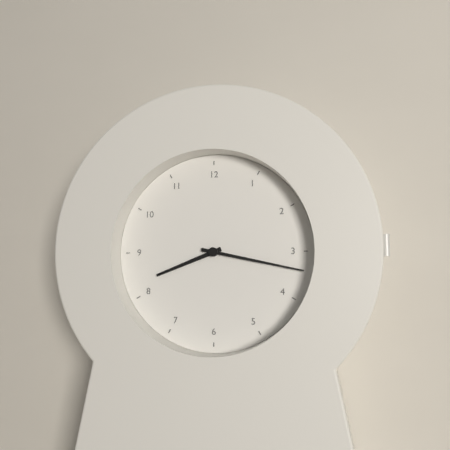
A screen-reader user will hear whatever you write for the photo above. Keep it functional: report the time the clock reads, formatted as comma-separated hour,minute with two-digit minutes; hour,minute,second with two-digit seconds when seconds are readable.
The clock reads 8,17
